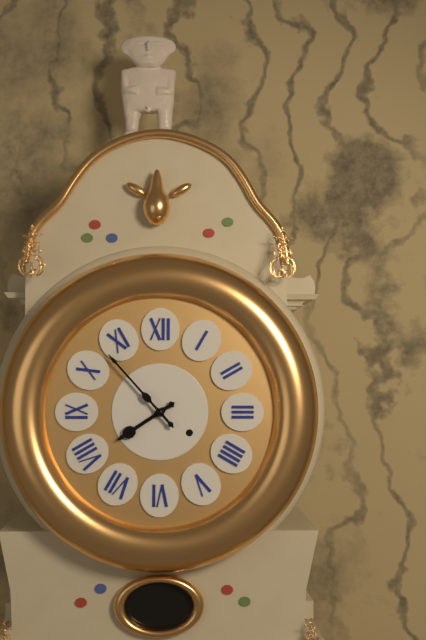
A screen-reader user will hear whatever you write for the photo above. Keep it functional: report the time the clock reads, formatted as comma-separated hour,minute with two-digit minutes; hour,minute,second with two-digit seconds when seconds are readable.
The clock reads 7,53
